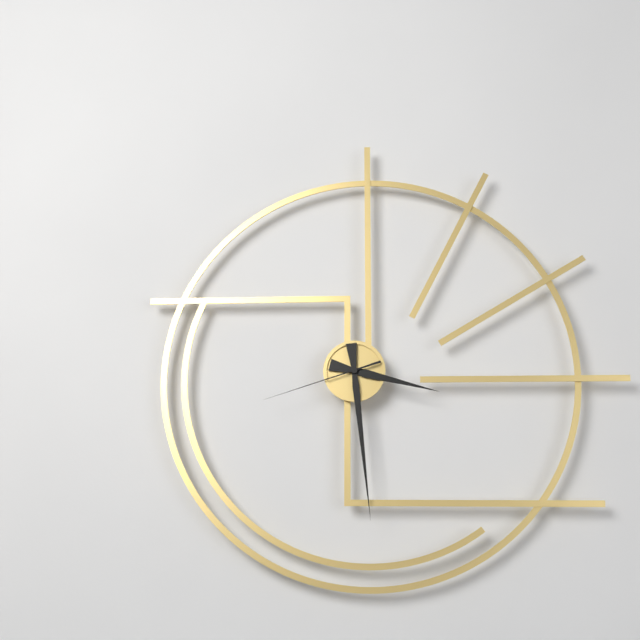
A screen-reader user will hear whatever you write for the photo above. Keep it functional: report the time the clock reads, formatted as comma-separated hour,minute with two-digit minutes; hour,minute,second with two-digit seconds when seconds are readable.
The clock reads 3,29,42
